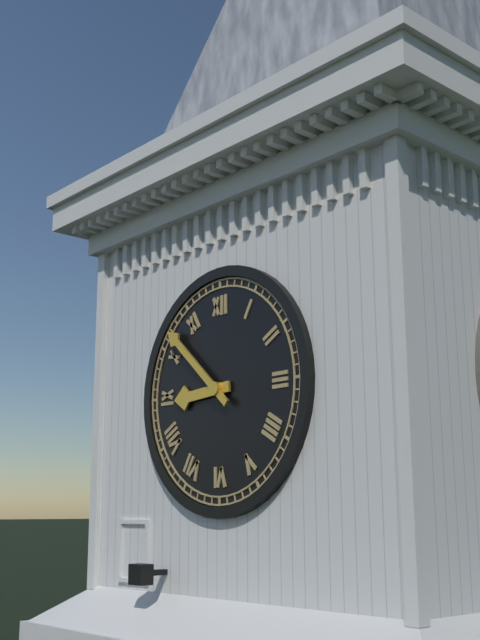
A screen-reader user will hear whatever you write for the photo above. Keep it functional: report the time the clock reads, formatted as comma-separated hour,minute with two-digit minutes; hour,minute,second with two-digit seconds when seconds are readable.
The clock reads 8,52
